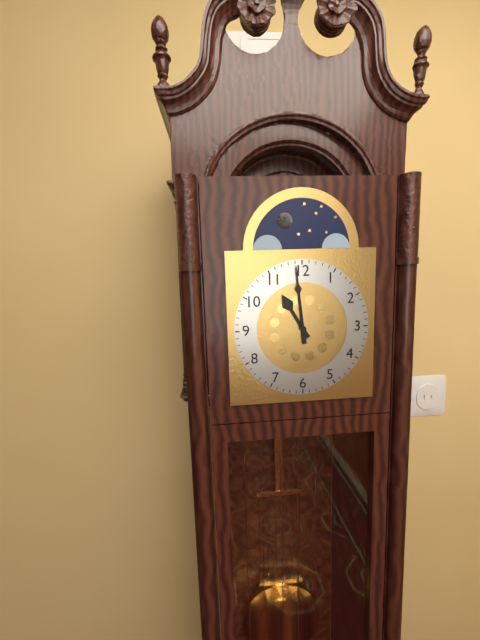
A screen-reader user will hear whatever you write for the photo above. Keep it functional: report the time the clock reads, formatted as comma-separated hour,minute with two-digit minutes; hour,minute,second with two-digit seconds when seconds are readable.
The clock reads 10,59
